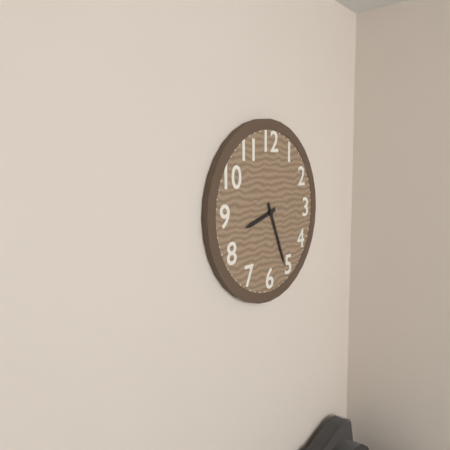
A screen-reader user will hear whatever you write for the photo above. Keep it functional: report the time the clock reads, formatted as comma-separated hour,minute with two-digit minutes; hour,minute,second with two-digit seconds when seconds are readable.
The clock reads 8,26
